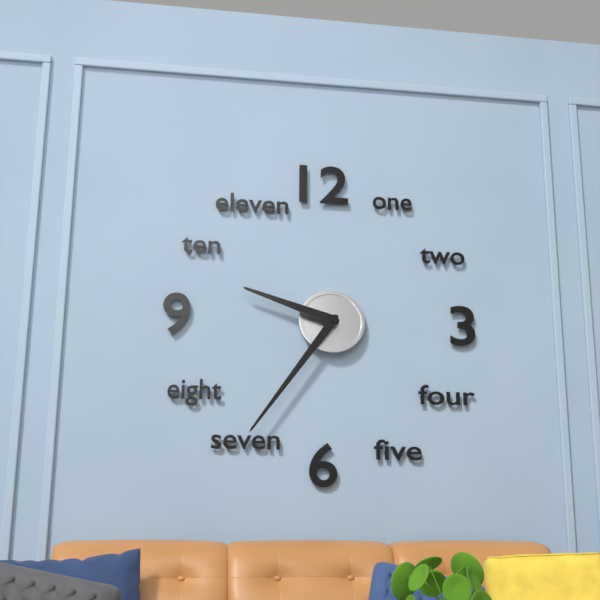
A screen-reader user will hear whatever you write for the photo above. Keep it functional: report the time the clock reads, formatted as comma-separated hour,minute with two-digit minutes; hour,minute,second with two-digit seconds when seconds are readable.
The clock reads 9,36
